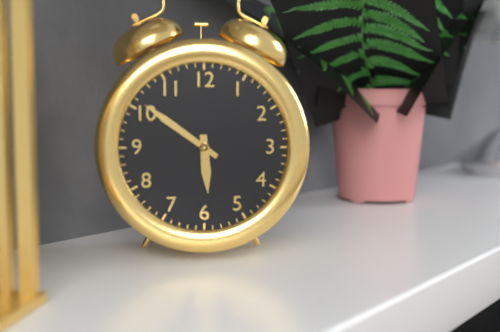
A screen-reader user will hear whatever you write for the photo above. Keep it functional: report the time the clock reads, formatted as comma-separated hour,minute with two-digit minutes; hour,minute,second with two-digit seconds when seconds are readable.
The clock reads 5,51
